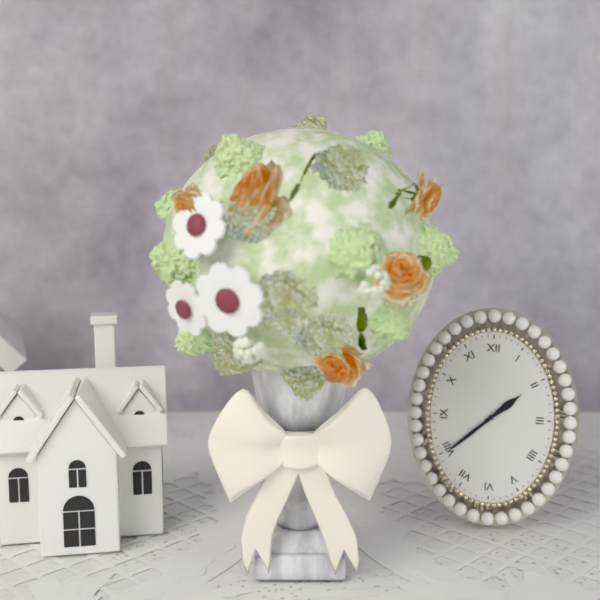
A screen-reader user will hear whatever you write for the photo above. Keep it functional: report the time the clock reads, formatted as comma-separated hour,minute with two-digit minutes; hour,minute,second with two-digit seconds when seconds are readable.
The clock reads 1,38
